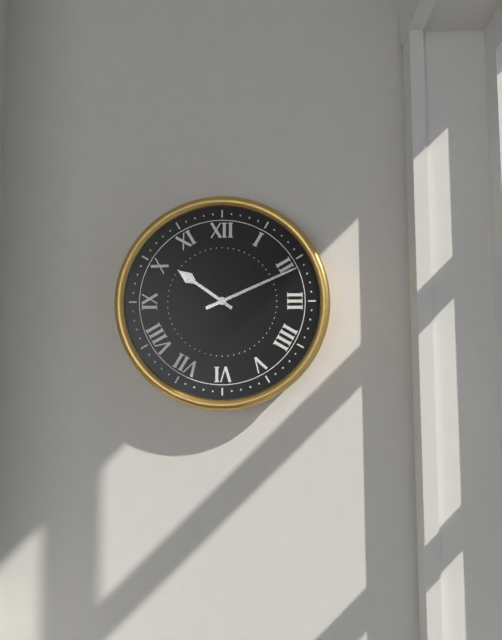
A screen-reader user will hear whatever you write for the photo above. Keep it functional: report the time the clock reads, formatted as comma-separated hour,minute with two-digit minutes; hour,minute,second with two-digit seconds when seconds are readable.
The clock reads 10,11
